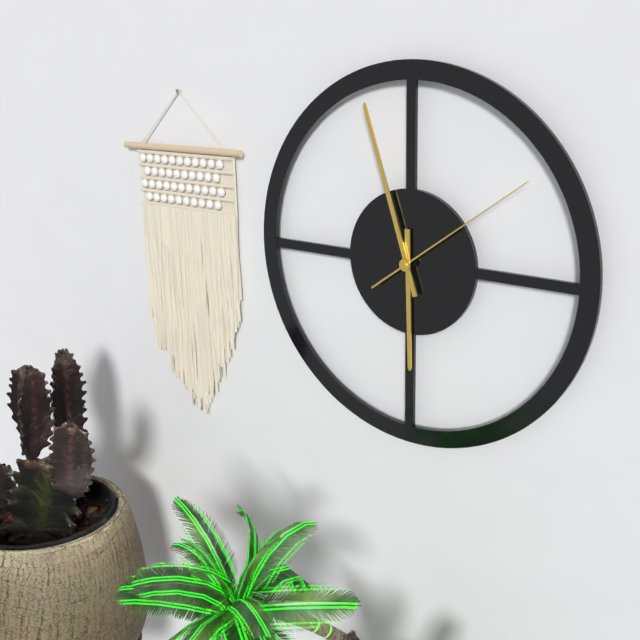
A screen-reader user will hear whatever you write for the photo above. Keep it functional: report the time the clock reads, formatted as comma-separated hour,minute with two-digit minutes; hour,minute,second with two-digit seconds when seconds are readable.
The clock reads 5,57,09
